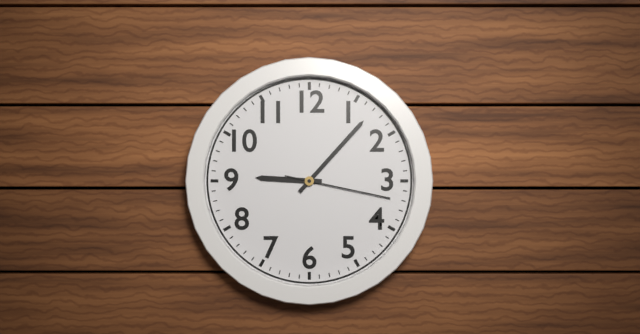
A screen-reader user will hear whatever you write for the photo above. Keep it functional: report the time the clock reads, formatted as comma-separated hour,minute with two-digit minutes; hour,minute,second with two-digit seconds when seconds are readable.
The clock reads 9,07,17
